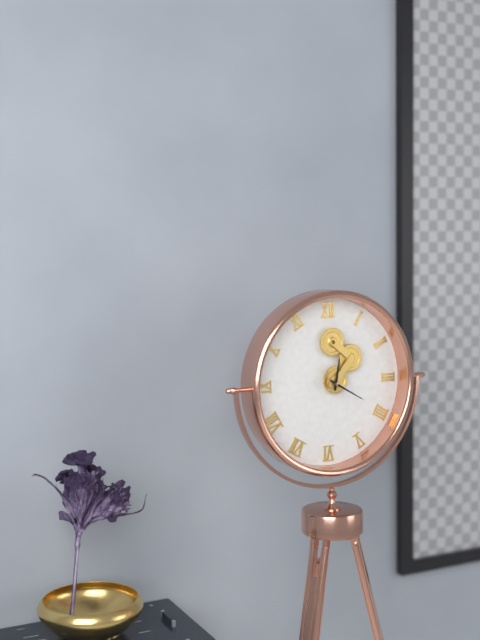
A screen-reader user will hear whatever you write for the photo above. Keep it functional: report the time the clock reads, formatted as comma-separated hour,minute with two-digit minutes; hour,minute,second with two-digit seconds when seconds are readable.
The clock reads 12,20
